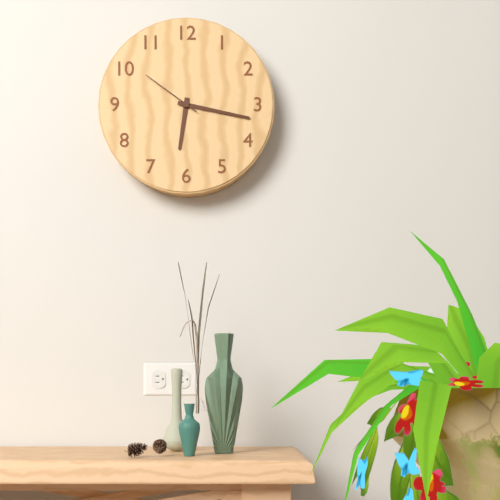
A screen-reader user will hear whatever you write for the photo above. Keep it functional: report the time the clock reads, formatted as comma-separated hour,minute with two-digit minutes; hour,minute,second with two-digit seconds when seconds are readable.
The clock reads 6,17,51
